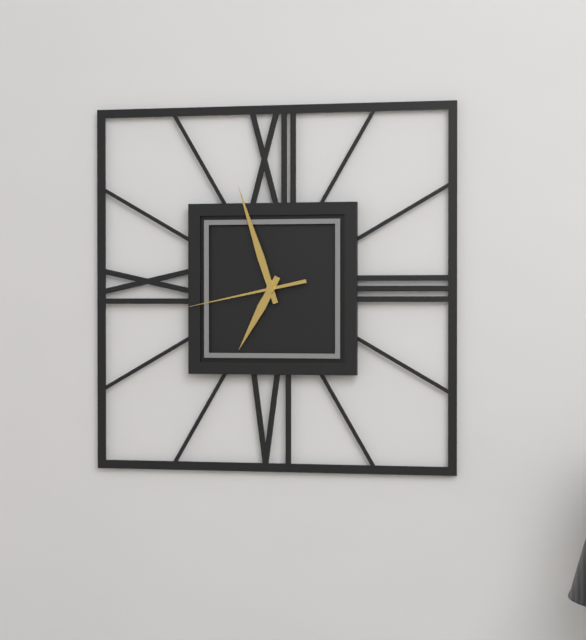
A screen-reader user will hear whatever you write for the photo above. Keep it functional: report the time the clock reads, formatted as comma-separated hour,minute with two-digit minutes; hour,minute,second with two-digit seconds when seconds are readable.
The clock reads 6,57,43
